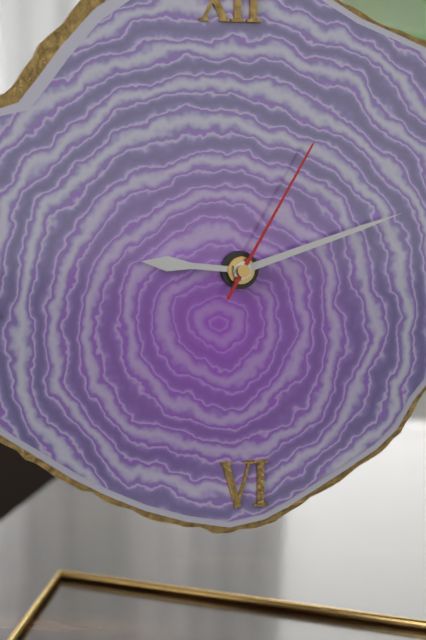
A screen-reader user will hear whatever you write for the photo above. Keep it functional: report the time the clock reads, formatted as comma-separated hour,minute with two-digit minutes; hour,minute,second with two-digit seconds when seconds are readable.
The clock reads 9,12,05
